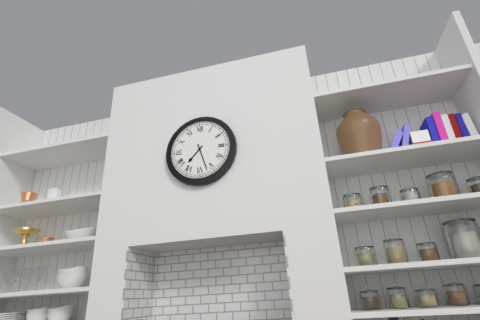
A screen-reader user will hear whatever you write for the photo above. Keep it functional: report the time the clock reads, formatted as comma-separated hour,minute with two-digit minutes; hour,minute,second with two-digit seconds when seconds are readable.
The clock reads 7,27
